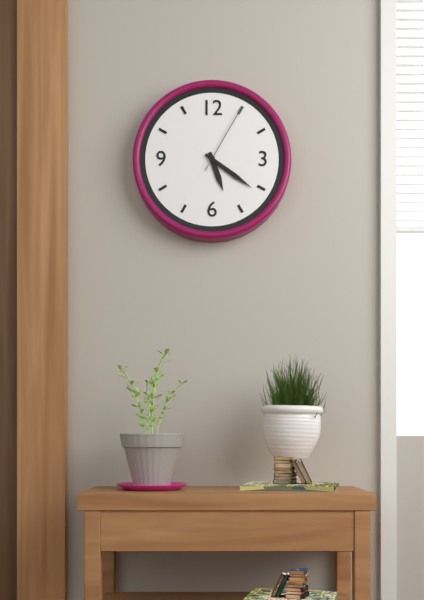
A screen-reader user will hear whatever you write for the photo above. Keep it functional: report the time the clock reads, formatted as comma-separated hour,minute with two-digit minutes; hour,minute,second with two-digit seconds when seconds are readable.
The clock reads 5,21,05
